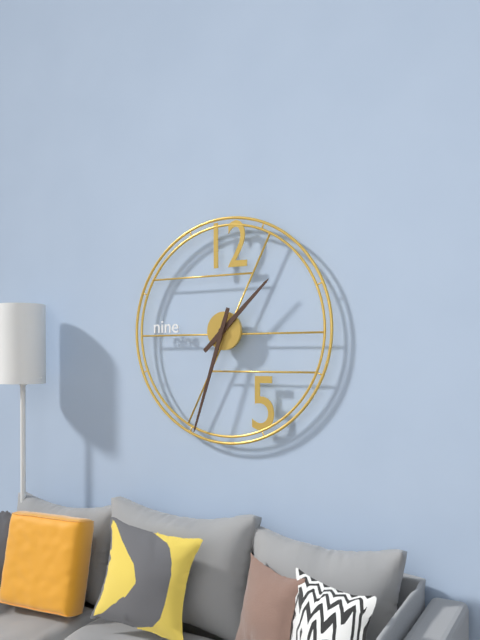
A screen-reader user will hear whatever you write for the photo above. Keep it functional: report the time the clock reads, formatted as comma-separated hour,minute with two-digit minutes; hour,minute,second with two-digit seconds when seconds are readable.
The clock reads 1,33
